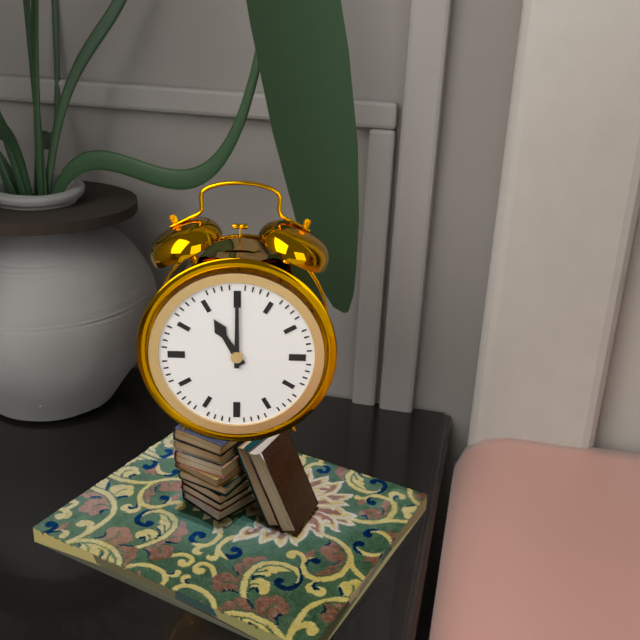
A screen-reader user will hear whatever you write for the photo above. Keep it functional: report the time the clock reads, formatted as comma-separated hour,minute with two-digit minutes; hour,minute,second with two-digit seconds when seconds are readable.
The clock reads 11,00
